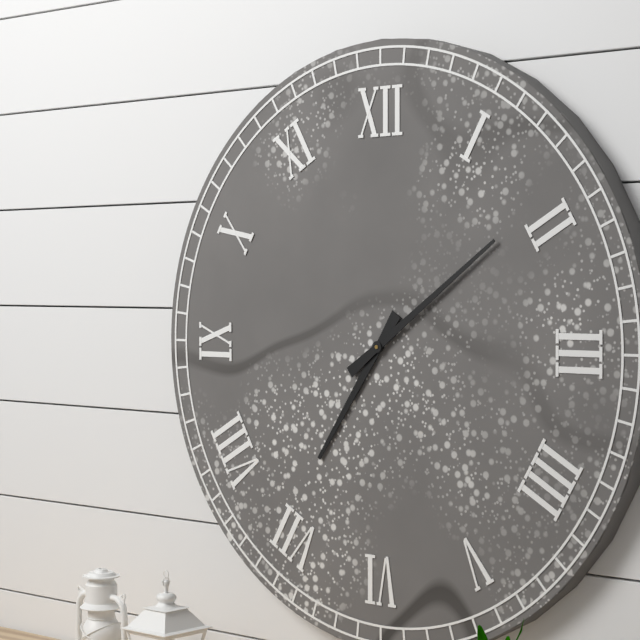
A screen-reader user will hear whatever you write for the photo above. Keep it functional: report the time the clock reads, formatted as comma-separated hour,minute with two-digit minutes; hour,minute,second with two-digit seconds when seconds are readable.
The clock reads 7,09
